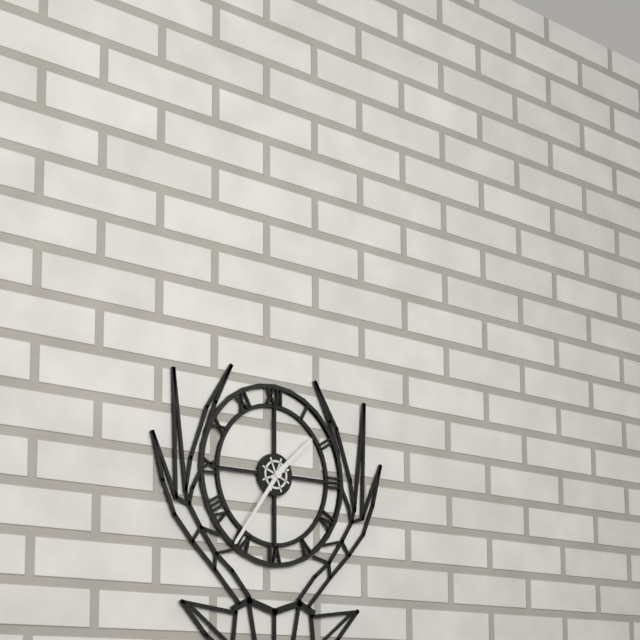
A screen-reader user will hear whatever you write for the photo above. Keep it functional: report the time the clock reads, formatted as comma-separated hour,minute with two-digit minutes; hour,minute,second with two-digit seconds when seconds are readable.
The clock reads 1,36
